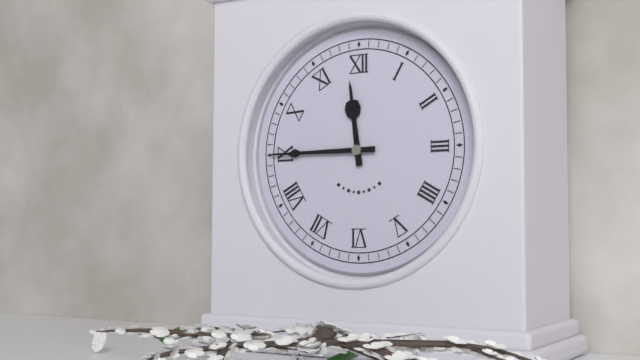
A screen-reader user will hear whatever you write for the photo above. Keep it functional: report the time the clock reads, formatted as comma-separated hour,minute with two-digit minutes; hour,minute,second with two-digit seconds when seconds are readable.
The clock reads 11,45
